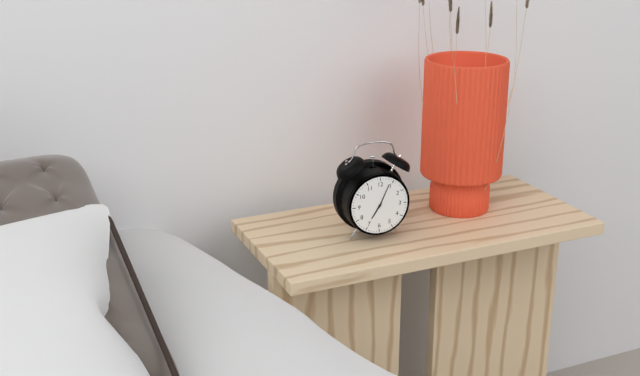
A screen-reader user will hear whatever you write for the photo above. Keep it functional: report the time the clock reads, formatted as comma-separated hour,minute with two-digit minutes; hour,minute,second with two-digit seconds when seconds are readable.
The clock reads 7,04
